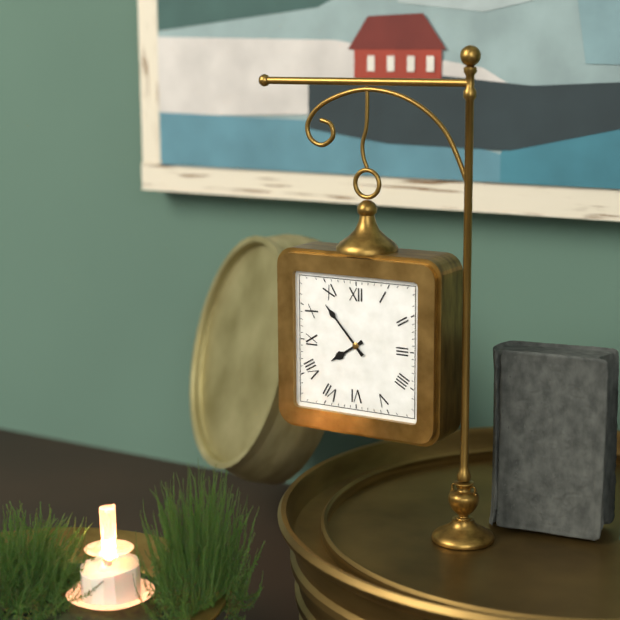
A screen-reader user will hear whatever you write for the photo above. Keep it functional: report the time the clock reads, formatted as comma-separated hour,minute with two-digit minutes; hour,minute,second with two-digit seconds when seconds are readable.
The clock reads 7,53
